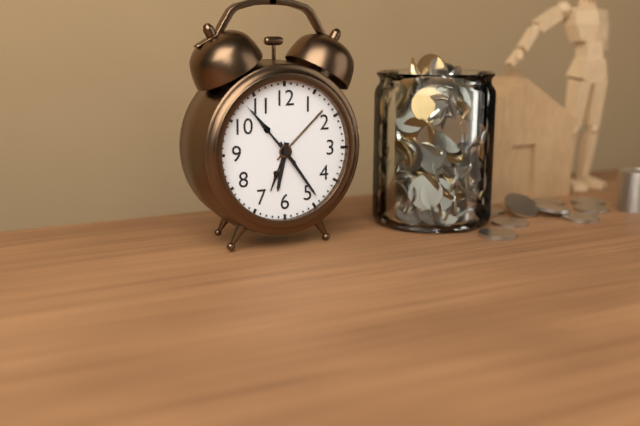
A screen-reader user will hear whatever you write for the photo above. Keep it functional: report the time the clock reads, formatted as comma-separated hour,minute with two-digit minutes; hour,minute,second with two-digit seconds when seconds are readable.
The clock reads 6,24,53
